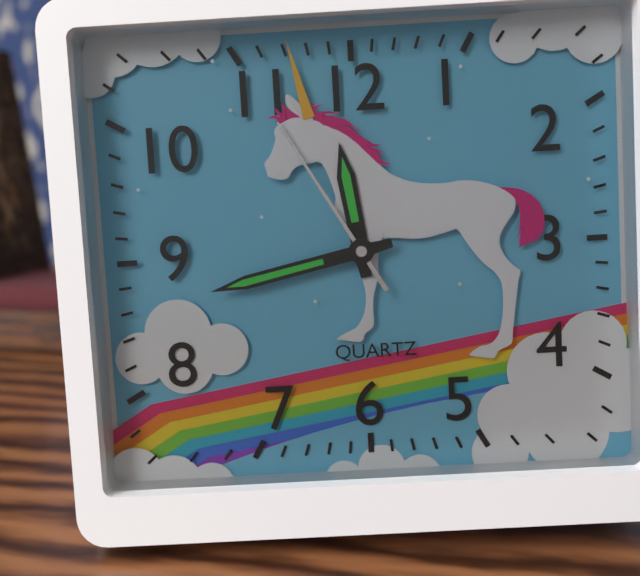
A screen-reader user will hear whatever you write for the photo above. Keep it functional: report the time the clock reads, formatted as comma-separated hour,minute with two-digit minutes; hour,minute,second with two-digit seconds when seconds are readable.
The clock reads 11,43,55
